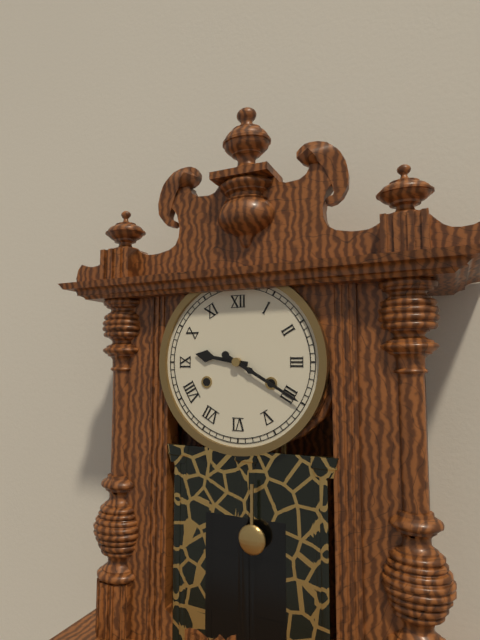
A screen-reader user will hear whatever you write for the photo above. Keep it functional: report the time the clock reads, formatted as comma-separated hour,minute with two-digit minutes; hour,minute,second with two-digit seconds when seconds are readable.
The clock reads 9,20
